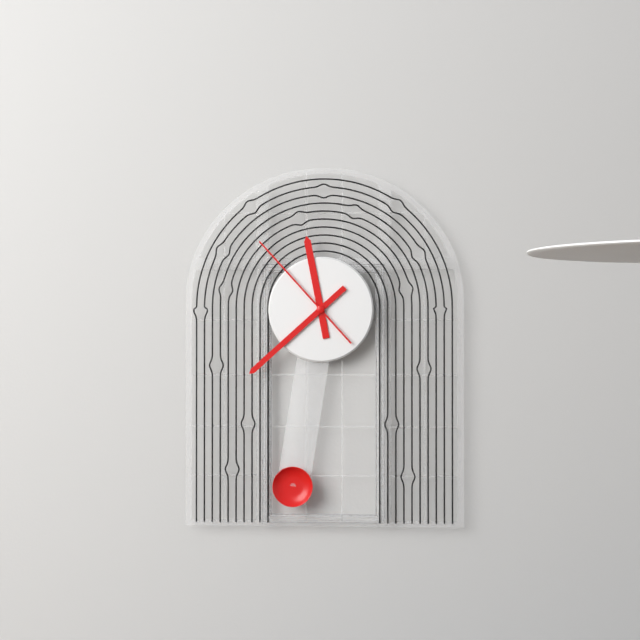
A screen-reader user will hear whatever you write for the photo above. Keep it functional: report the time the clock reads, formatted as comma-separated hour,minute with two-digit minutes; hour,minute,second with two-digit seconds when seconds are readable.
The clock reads 11,38,53
